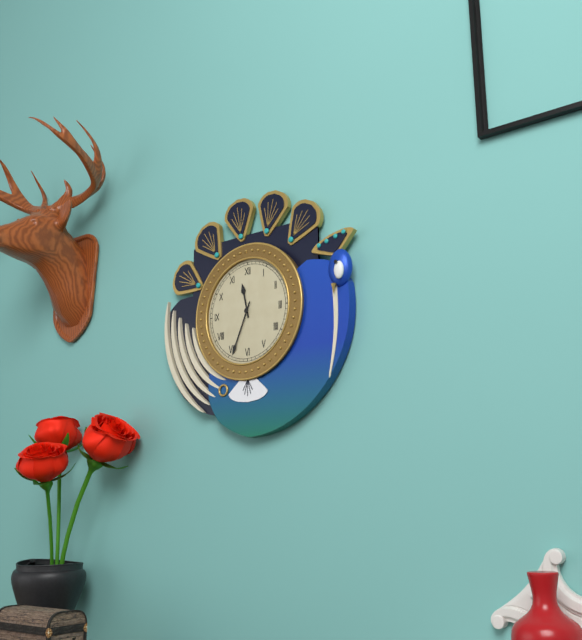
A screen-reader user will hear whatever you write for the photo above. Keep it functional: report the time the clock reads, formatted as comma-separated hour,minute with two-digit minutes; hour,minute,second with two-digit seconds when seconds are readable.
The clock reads 11,34
